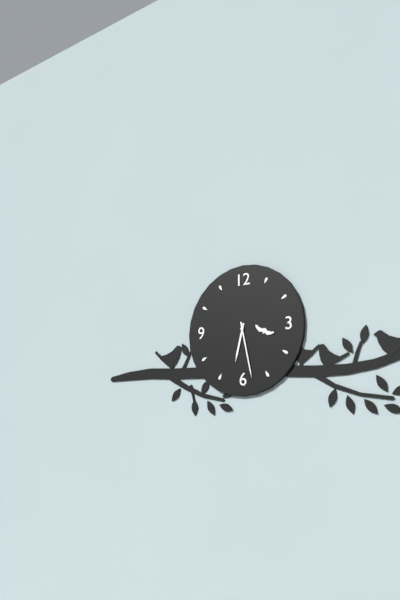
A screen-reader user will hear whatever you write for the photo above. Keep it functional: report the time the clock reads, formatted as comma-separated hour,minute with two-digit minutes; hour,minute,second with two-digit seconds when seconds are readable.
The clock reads 6,28
